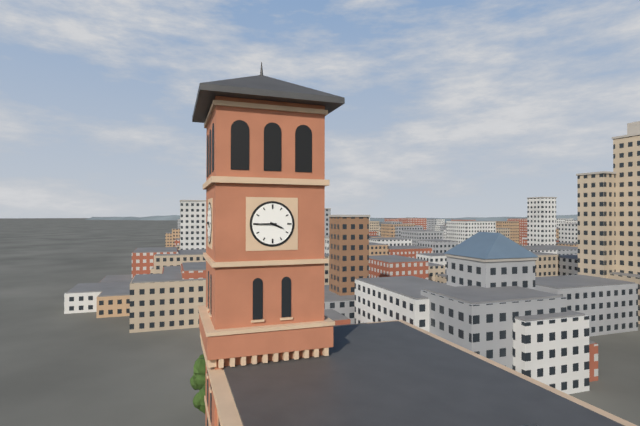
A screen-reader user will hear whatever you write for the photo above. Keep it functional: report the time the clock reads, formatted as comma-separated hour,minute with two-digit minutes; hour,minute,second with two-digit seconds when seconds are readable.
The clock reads 3,45
